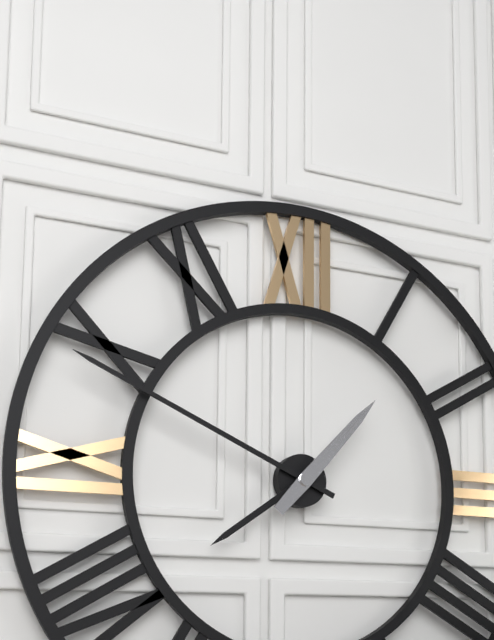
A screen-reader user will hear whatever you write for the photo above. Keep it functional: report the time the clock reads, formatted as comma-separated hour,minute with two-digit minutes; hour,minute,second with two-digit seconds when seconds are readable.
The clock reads 7,49,07
